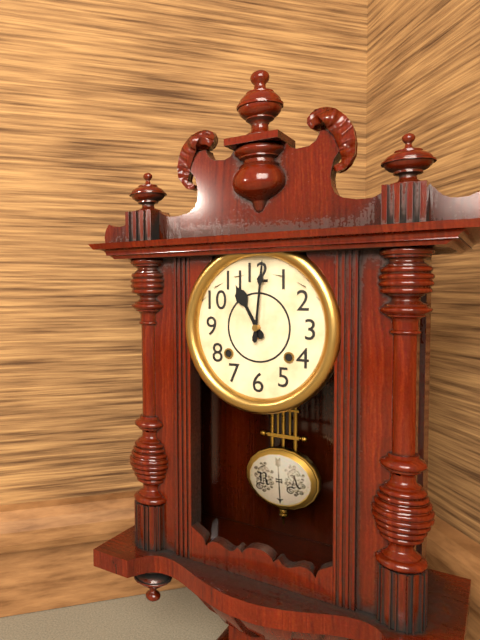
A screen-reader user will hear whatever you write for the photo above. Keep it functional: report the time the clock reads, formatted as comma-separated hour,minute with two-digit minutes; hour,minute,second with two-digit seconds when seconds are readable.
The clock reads 11,01
